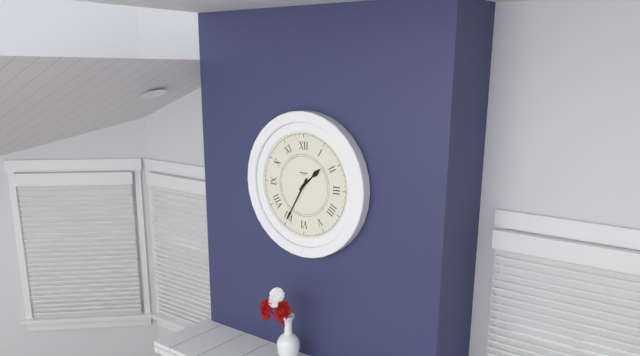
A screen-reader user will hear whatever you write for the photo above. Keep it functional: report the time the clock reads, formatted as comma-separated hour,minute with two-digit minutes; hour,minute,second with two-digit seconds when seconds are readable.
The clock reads 1,35
